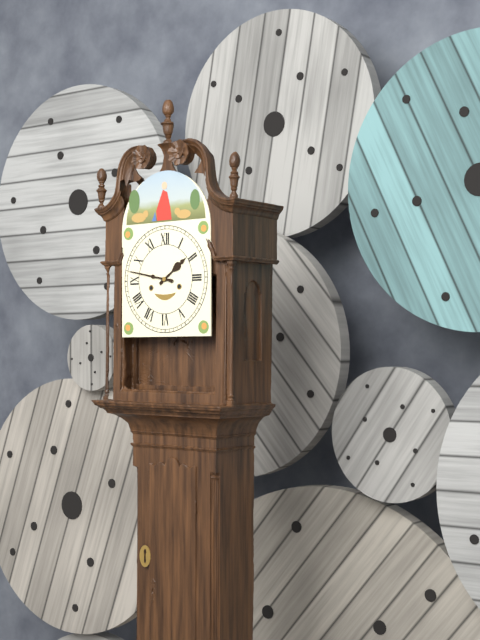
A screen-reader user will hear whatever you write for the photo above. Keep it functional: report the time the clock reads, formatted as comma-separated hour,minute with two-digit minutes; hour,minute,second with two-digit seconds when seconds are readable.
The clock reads 1,47
